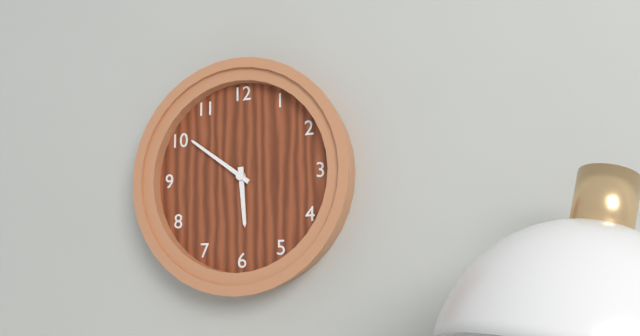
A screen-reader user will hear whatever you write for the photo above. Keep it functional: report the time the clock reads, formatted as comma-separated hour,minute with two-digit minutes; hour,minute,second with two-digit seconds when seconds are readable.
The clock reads 5,51
